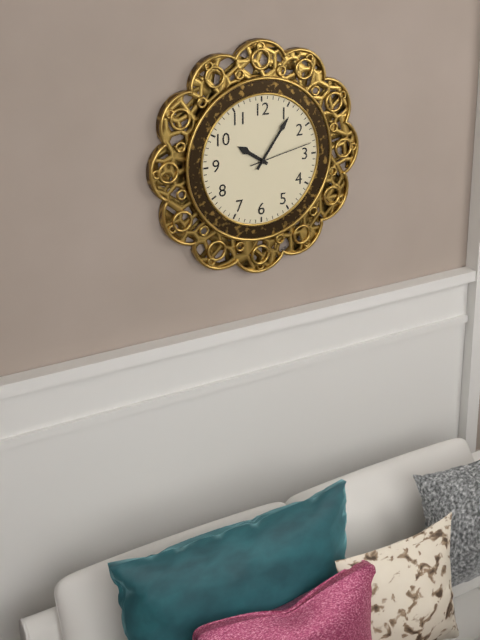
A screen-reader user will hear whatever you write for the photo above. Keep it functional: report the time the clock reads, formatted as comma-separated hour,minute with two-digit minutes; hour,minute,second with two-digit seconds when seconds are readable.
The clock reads 10,06,13
